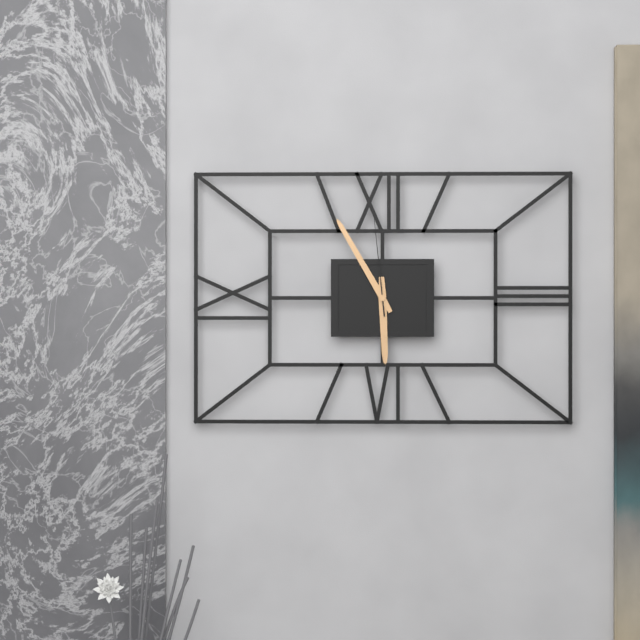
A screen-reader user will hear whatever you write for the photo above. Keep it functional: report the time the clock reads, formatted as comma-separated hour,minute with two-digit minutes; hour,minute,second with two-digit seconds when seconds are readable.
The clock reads 5,55,59
